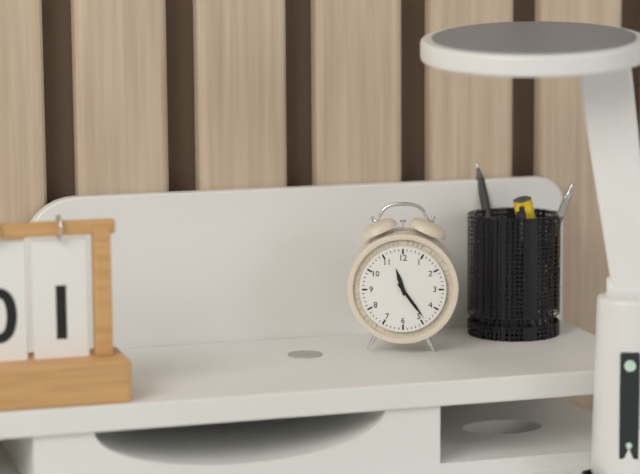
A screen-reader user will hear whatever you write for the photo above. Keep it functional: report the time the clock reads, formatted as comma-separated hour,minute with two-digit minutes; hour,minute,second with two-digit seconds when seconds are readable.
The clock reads 11,24
